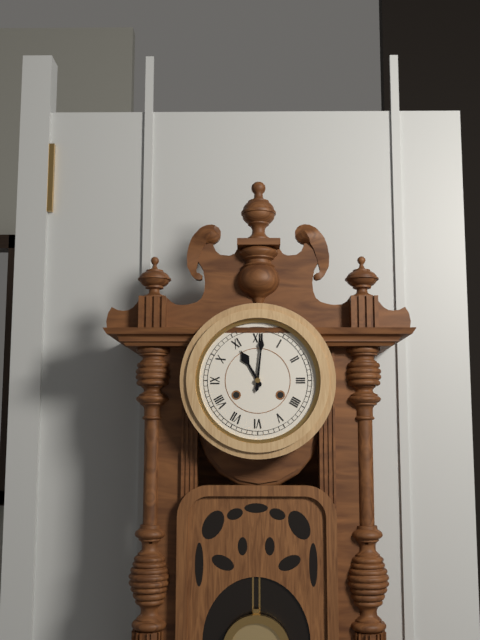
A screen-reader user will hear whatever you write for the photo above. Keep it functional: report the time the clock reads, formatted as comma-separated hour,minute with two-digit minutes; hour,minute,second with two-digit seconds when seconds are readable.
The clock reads 11,01
